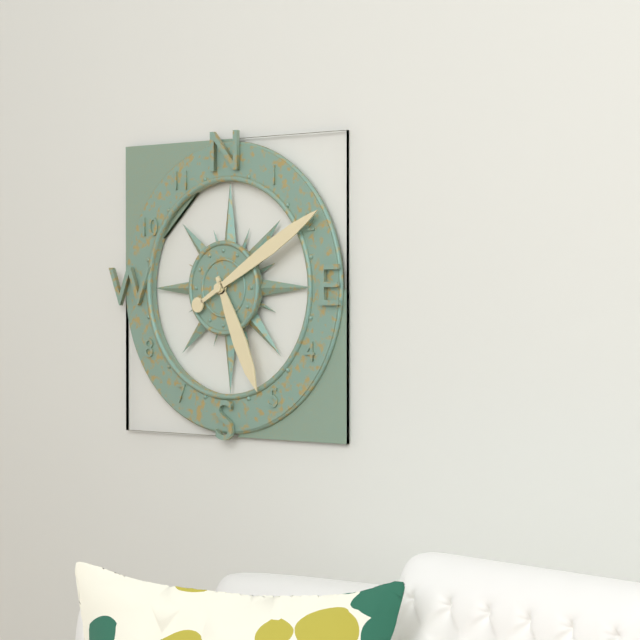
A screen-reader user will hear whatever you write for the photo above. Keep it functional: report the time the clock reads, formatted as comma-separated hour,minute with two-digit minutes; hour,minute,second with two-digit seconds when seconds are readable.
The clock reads 5,10
